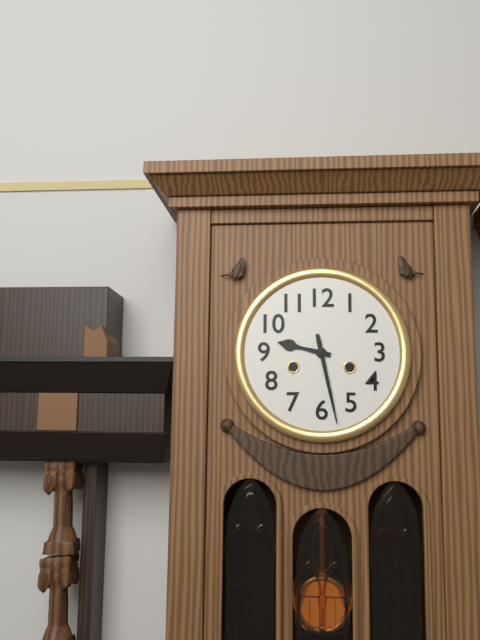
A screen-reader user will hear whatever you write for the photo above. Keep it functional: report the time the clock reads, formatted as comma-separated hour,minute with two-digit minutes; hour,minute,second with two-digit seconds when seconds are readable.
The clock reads 9,28
